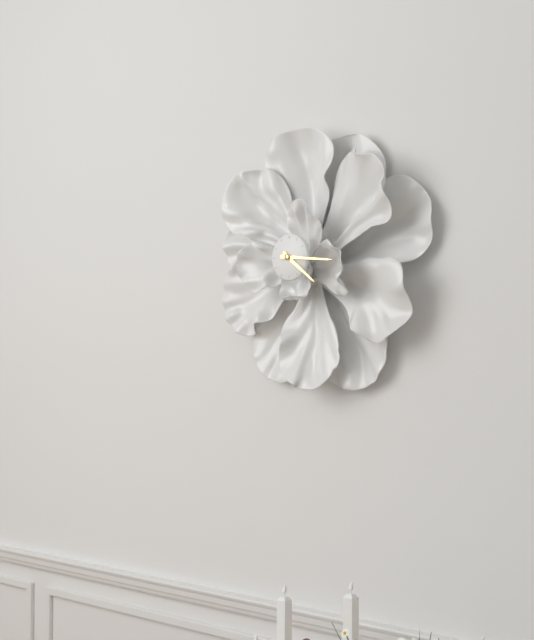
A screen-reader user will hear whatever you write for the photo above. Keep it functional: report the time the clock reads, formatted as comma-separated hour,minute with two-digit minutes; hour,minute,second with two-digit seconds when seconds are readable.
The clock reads 4,16
